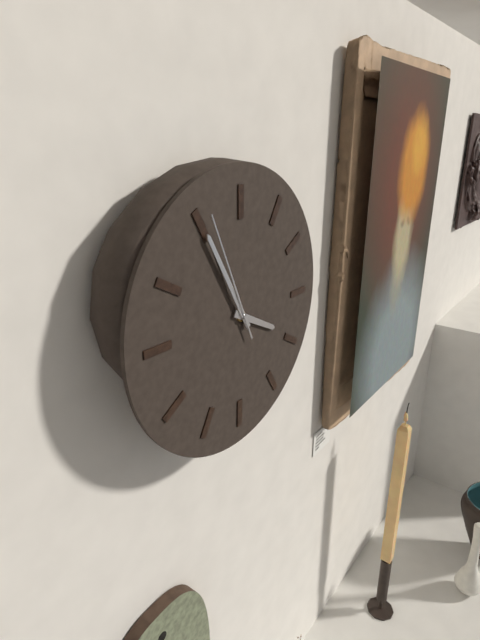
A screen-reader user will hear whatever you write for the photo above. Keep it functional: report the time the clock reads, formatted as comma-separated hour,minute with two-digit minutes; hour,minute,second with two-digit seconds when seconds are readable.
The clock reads 3,55,56
